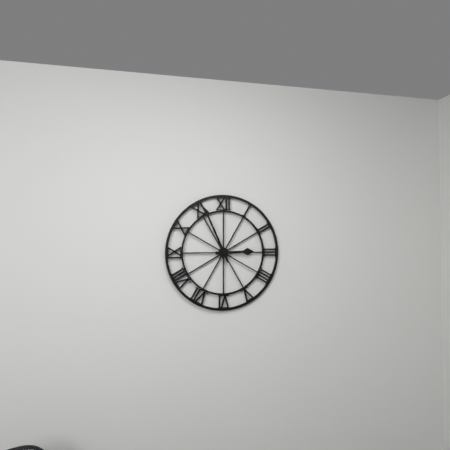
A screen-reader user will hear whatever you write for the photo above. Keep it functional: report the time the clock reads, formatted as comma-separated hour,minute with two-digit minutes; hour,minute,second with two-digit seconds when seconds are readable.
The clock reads 2,56
